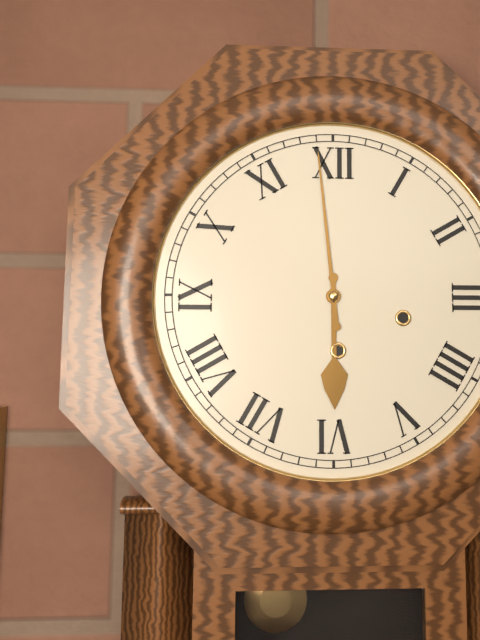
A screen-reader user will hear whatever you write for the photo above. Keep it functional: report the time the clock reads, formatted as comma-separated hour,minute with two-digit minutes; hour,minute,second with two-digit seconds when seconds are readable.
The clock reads 5,59
